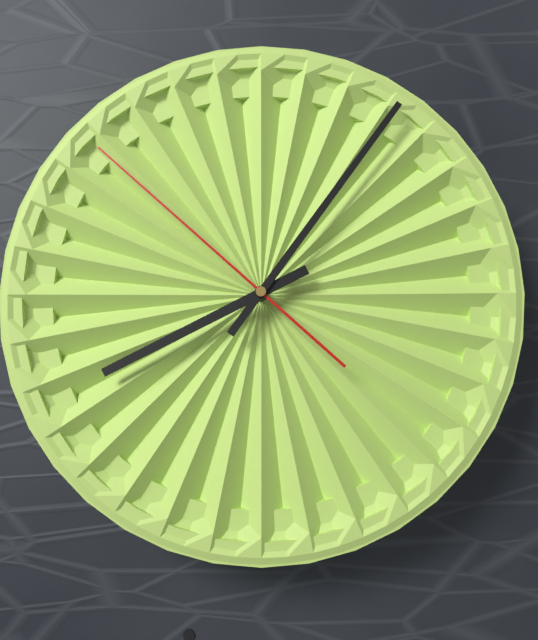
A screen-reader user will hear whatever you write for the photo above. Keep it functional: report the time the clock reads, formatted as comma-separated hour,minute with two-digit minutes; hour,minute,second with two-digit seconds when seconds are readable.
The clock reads 8,06,52
